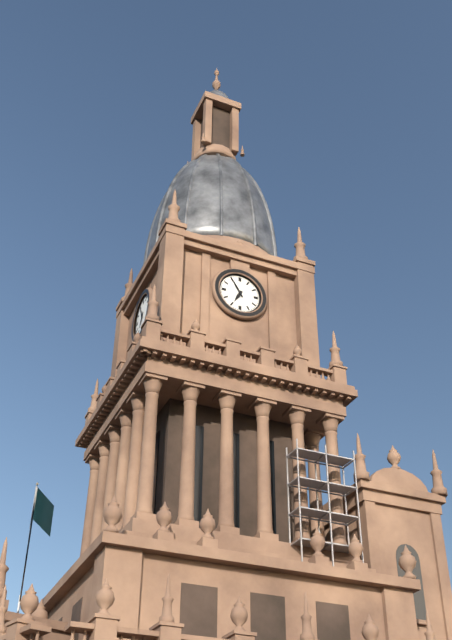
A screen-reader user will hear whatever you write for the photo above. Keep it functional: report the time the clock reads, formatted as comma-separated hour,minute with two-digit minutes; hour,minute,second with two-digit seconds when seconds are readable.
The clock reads 6,55
